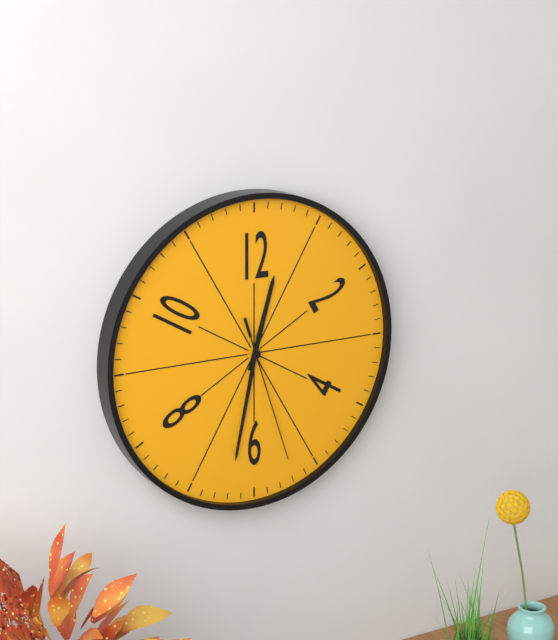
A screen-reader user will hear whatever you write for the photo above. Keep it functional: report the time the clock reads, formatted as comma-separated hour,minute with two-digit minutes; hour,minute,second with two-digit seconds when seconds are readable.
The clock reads 12,32,27
